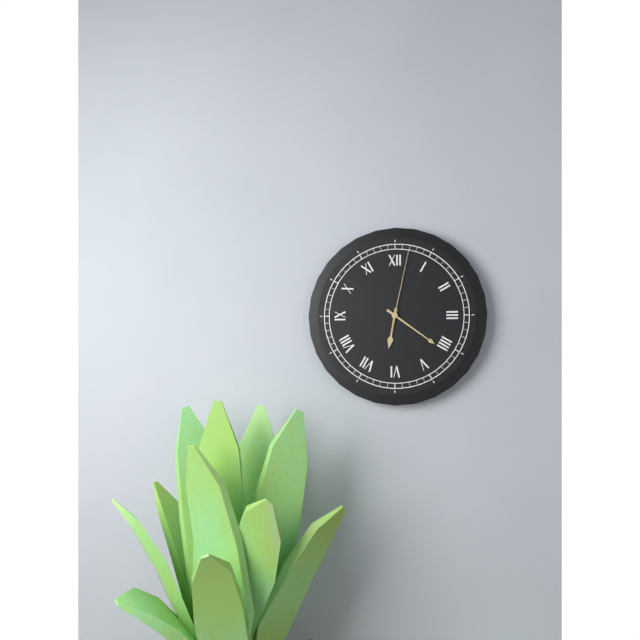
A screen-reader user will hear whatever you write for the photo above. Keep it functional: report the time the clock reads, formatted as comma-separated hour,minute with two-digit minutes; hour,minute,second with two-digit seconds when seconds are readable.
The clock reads 6,21,02
